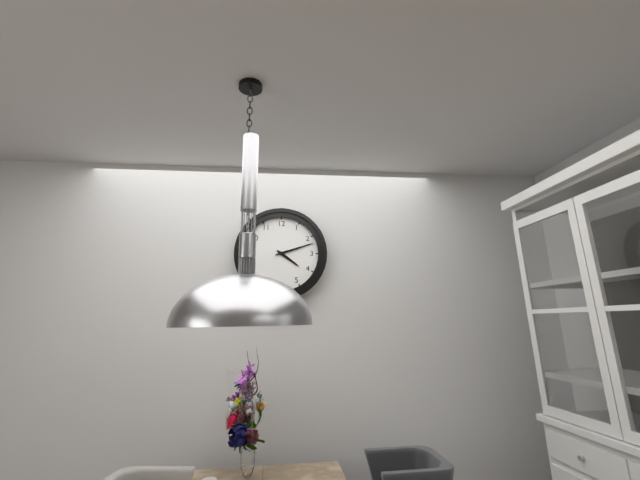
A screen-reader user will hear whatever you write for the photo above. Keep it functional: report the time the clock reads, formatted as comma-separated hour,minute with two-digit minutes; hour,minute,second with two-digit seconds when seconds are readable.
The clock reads 4,12
